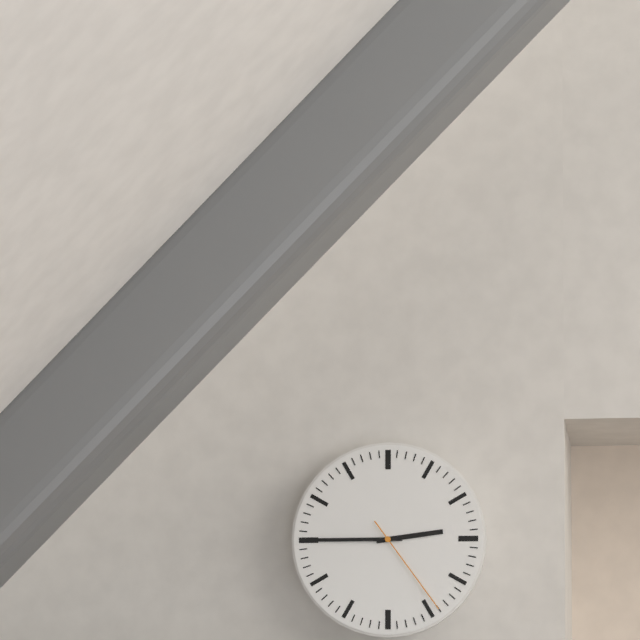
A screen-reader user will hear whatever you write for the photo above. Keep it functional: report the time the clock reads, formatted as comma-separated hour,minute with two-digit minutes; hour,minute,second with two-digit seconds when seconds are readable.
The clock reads 2,45,24
